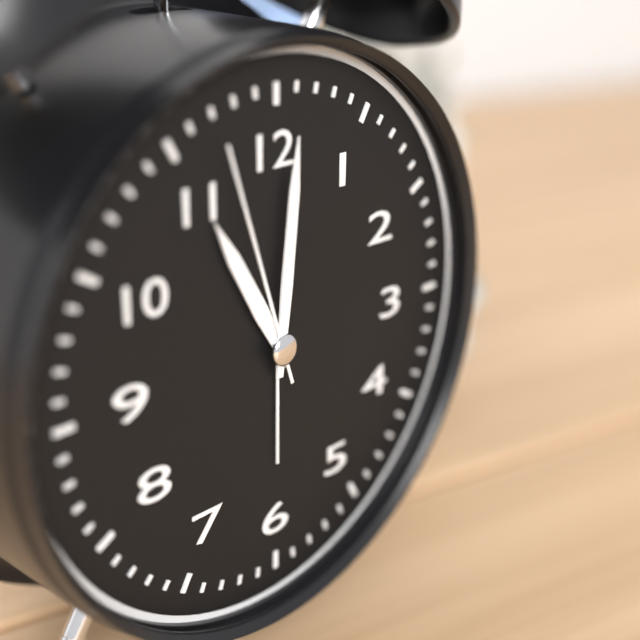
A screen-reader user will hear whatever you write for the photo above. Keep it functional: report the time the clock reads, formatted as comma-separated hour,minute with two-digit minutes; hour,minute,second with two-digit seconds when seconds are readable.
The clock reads 11,01,57
